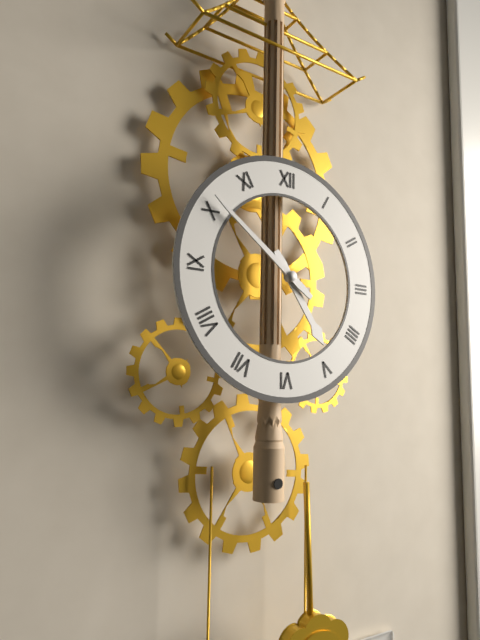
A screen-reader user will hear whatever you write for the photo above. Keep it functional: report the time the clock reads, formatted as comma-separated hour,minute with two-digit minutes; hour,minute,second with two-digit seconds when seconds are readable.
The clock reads 4,51
